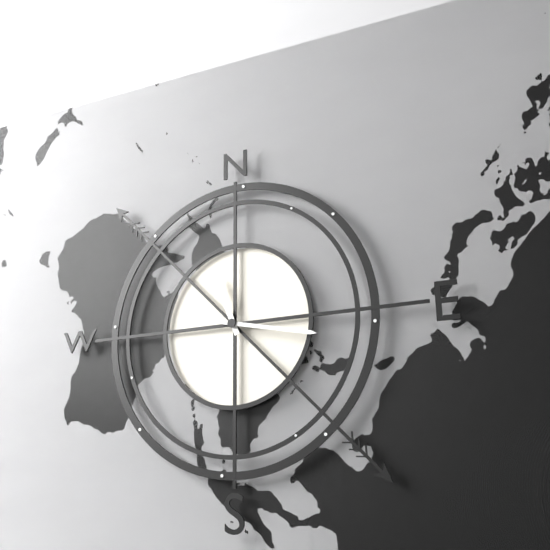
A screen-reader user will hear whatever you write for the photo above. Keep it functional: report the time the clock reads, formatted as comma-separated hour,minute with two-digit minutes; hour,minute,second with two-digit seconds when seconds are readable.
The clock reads 11,17
